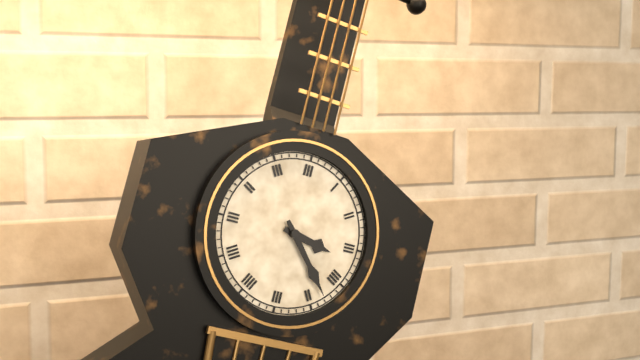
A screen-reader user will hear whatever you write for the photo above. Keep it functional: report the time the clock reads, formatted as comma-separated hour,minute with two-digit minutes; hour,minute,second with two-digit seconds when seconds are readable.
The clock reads 3,23
